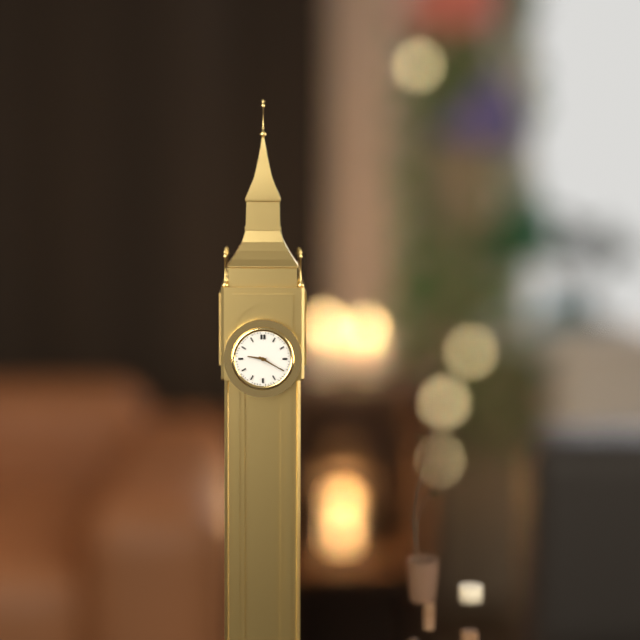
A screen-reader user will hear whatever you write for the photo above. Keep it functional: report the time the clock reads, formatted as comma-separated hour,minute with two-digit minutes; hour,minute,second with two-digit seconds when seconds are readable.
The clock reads 9,20
